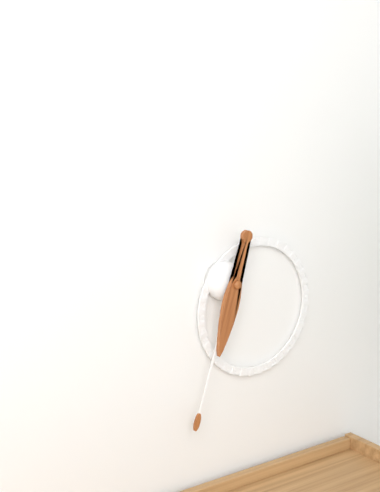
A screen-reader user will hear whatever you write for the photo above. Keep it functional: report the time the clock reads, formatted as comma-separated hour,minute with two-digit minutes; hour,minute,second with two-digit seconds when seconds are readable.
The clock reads 6,33
